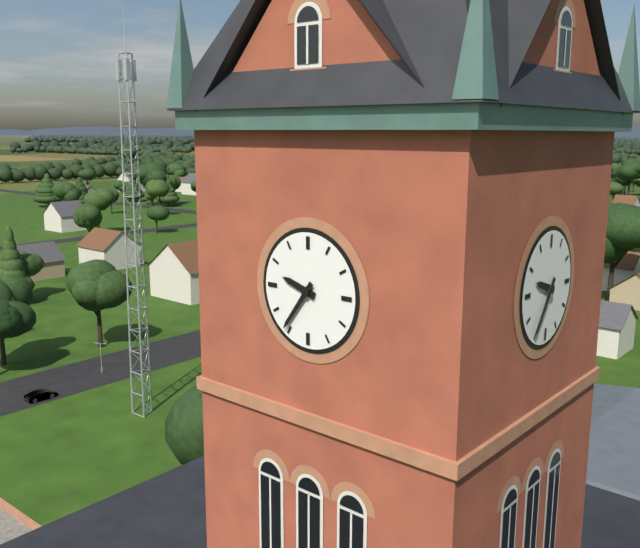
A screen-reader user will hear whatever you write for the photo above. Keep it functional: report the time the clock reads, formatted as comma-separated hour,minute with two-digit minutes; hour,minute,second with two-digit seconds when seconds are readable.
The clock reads 9,36
